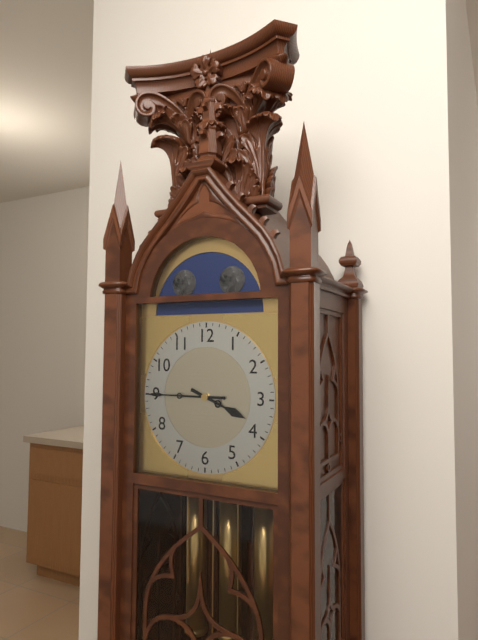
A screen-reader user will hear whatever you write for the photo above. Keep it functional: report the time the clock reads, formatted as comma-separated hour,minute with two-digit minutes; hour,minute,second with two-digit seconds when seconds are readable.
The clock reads 3,45
